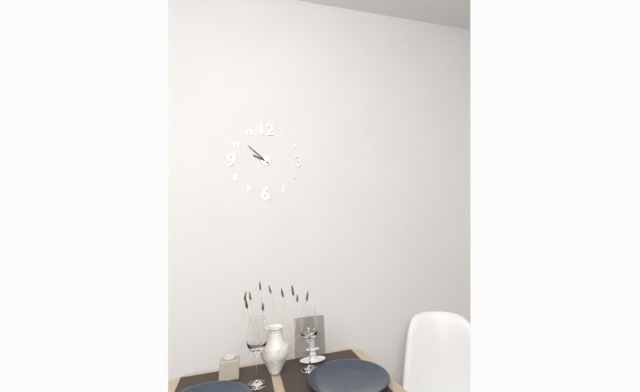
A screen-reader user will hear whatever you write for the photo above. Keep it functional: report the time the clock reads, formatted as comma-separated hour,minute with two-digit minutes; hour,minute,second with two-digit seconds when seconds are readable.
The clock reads 9,52
